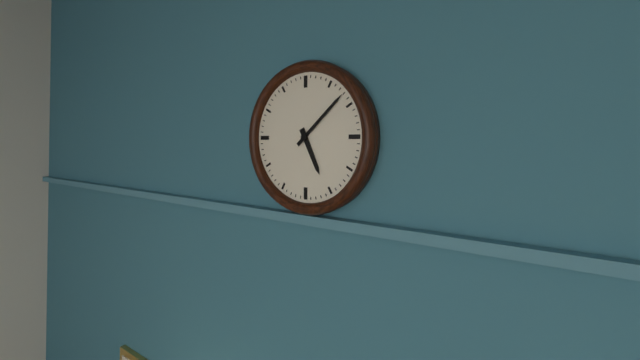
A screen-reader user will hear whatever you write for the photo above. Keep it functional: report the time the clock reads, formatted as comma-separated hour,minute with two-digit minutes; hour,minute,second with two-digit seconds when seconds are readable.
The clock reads 5,08
